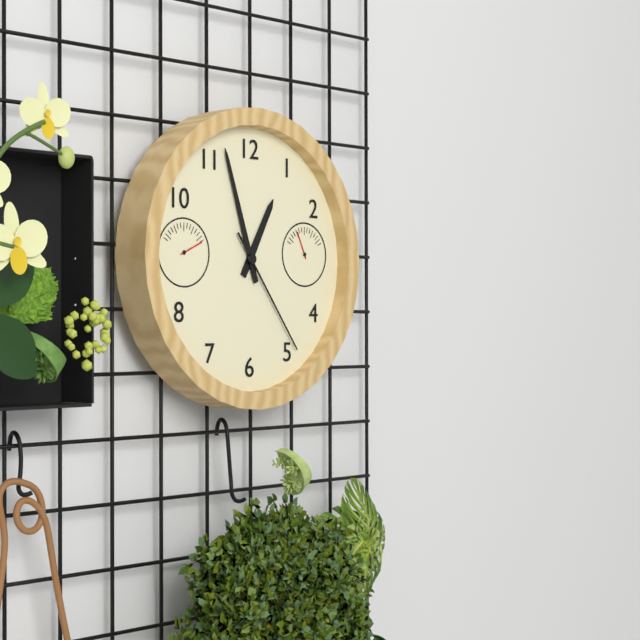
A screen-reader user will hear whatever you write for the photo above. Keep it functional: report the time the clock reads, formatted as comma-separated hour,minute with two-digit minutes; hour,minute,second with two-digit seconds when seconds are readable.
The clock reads 12,57,24
